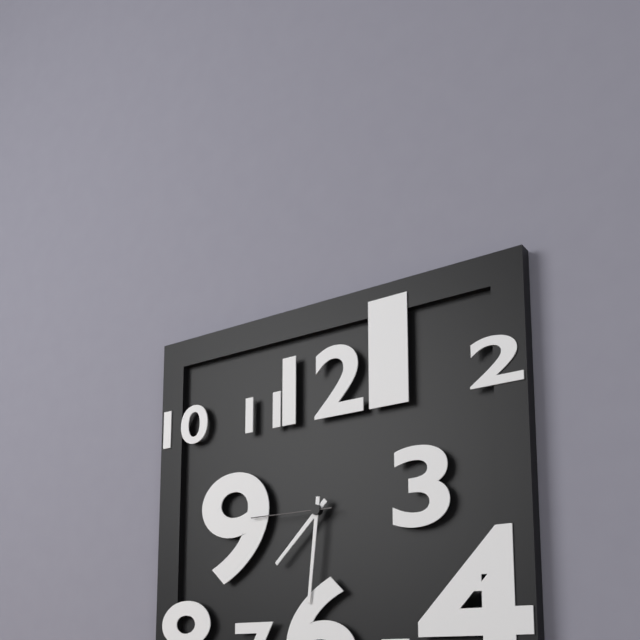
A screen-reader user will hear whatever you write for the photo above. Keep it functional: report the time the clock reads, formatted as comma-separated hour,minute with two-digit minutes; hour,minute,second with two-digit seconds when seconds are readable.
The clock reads 7,31,45
